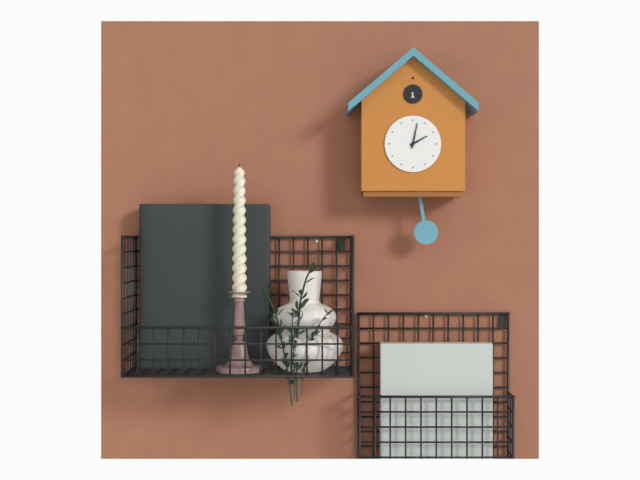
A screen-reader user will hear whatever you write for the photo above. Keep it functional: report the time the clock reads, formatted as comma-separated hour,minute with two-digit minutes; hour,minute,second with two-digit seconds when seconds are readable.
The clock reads 2,02
